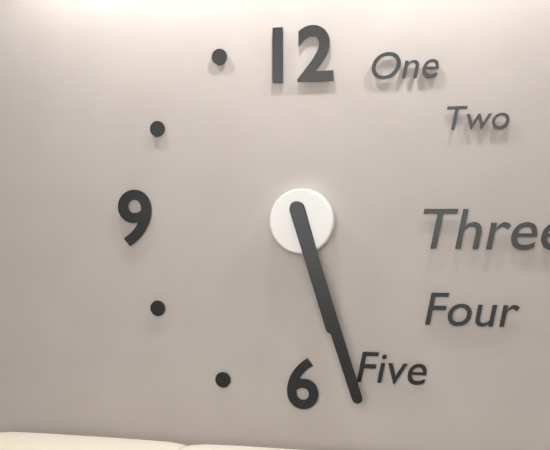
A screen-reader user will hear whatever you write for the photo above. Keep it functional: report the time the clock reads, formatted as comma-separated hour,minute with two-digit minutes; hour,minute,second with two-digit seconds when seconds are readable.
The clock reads 5,27
